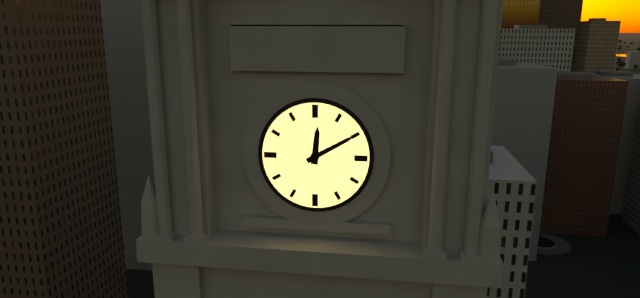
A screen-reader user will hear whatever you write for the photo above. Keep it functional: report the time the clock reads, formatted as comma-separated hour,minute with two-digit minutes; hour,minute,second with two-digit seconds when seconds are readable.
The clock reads 12,10
